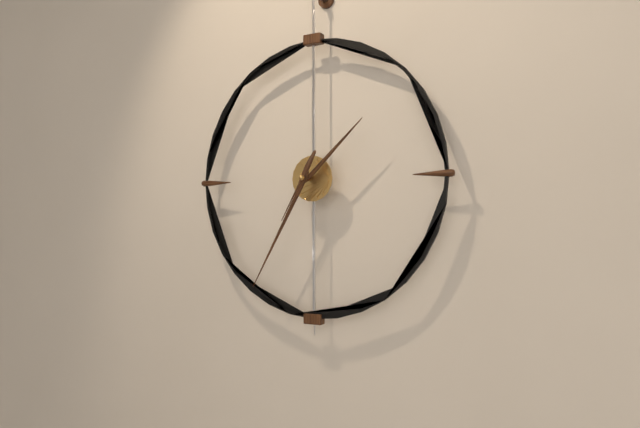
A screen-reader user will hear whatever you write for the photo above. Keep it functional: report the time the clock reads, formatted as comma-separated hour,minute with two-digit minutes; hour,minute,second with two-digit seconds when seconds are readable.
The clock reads 1,35,35
